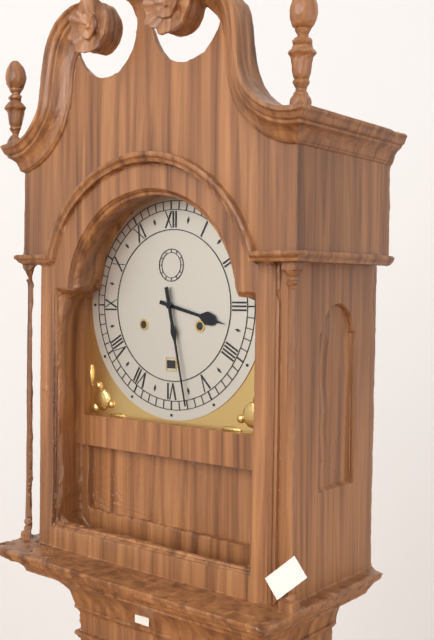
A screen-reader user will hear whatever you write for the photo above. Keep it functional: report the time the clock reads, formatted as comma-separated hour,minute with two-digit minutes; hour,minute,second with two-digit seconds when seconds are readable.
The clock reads 3,28
